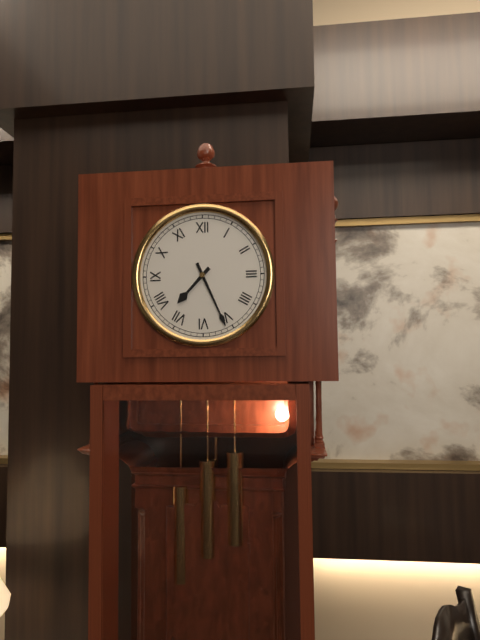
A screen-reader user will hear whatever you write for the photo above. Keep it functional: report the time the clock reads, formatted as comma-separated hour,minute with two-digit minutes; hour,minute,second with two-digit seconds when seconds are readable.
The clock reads 7,26
